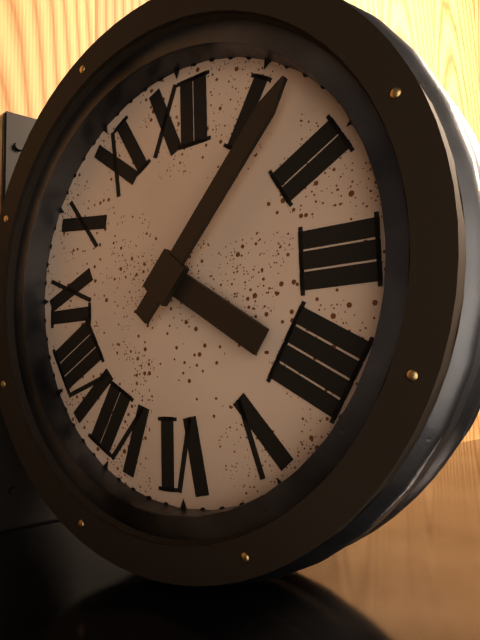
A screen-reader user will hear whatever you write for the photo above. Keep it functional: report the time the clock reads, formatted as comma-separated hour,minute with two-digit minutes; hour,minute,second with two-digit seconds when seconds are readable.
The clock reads 4,07
